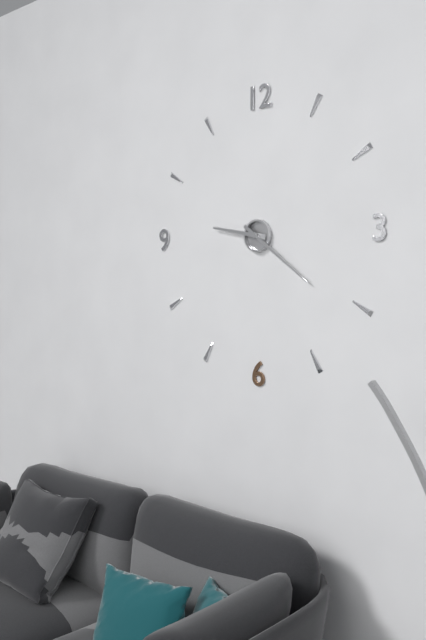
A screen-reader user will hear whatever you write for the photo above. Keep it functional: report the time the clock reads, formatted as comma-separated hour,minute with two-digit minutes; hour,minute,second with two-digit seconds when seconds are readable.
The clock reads 9,21
